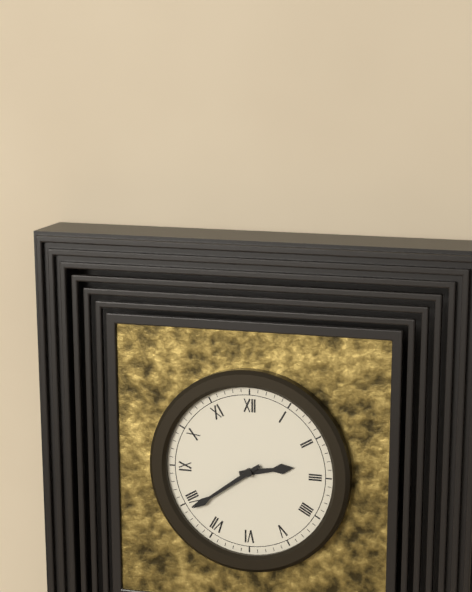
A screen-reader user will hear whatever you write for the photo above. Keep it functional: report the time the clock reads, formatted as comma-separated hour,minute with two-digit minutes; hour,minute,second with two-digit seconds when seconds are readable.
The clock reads 2,39
